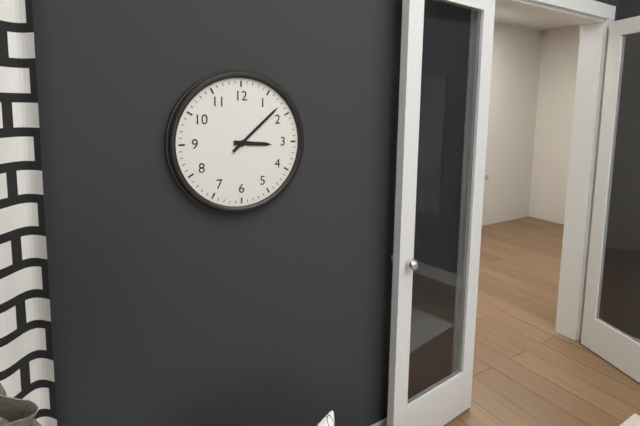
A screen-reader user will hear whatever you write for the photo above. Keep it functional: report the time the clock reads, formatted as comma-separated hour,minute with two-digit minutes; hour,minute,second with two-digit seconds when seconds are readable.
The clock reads 3,08
